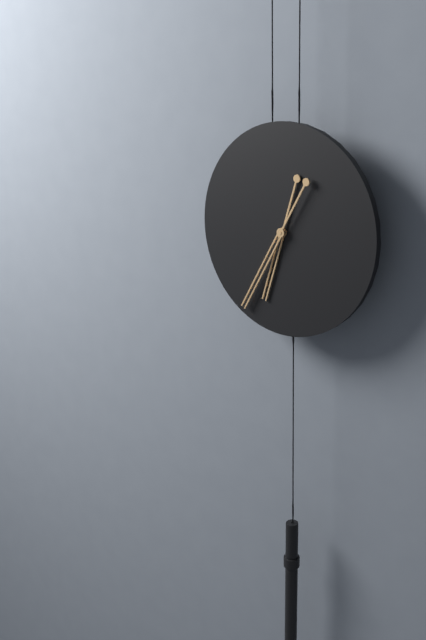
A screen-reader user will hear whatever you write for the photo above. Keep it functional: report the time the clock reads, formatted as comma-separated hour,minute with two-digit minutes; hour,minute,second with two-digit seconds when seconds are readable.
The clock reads 6,35
